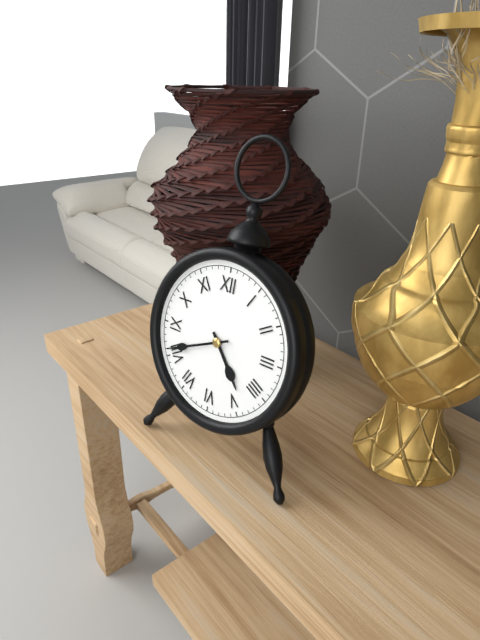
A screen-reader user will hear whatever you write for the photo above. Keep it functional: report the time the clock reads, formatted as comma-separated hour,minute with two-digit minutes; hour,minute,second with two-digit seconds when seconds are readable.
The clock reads 4,41
